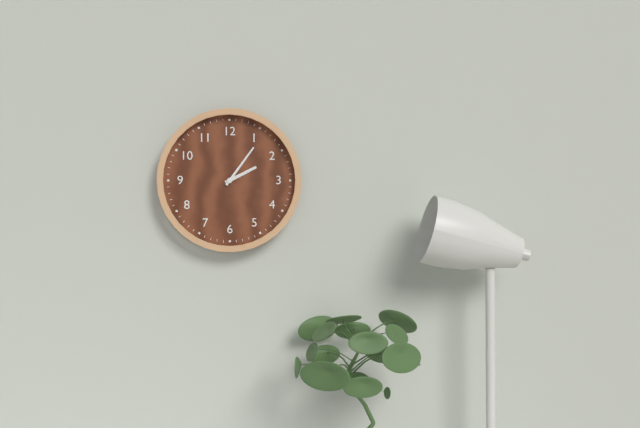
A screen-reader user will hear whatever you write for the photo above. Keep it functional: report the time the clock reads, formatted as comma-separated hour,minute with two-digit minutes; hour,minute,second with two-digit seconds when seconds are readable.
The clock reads 2,06
